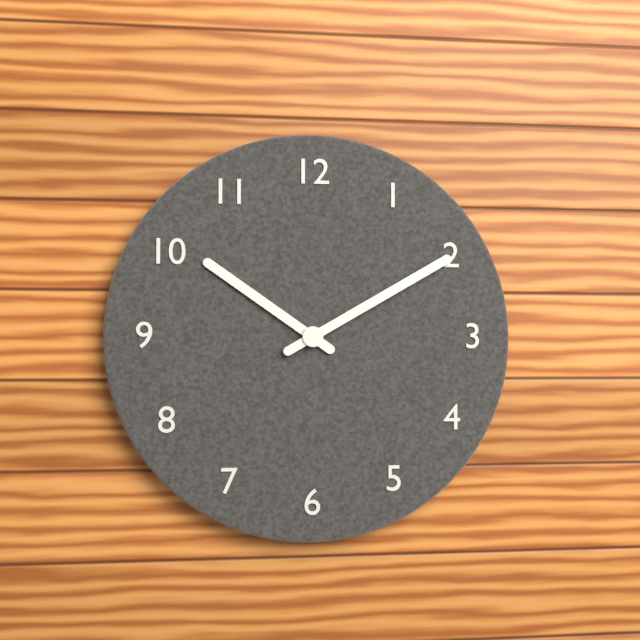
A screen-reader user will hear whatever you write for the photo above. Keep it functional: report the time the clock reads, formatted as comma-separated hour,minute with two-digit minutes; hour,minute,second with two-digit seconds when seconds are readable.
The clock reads 10,10
